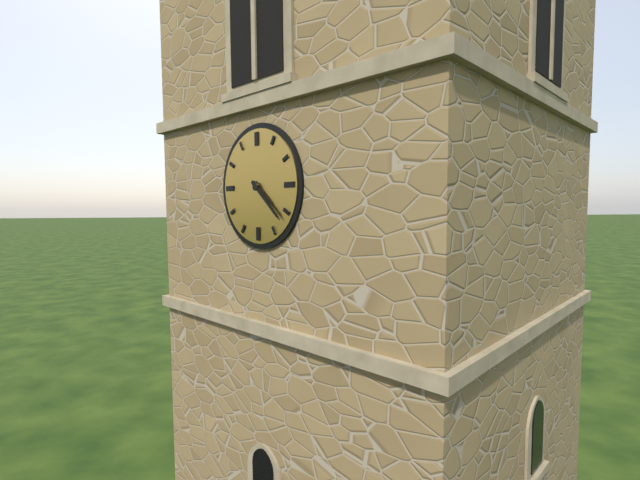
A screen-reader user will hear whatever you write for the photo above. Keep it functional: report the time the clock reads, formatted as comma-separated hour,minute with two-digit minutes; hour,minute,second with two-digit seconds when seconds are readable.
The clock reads 4,22
